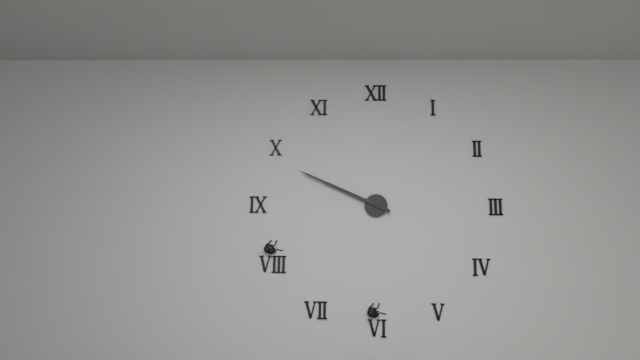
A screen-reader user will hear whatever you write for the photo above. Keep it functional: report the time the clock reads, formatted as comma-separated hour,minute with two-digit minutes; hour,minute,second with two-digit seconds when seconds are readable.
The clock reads 9,49
